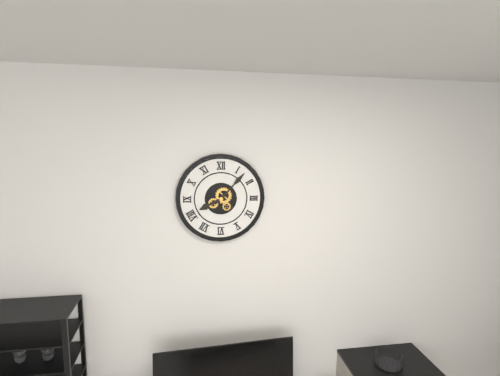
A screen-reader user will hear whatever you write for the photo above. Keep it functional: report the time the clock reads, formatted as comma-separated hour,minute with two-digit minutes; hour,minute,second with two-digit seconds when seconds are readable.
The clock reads 8,07
